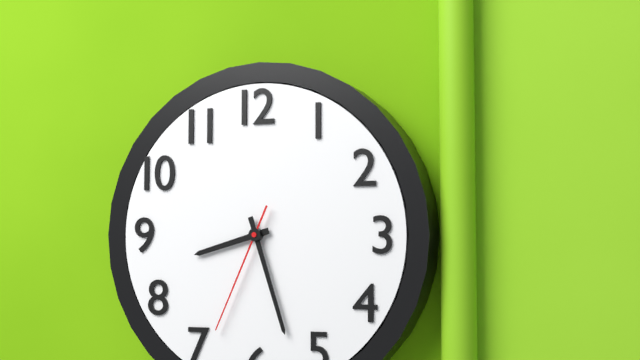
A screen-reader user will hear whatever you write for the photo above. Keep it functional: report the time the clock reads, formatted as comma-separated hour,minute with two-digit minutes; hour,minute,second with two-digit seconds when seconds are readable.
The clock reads 8,27,34
